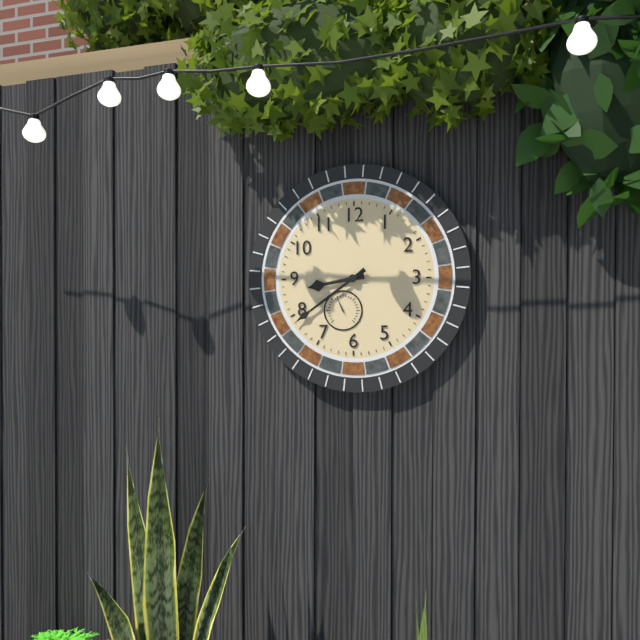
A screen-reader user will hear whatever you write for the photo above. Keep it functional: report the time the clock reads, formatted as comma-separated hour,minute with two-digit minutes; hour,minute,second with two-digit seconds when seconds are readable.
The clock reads 8,39
